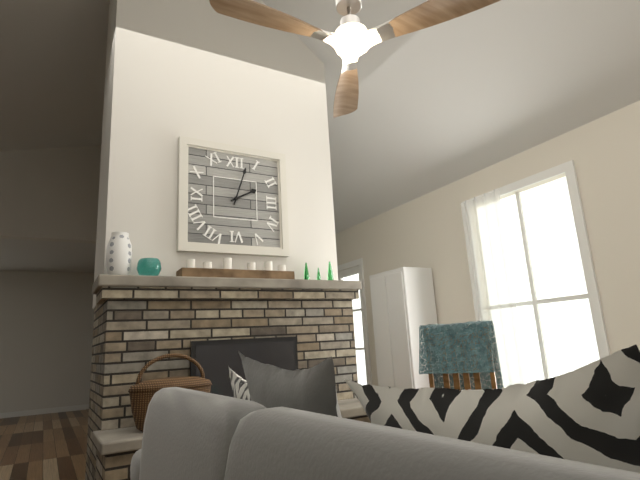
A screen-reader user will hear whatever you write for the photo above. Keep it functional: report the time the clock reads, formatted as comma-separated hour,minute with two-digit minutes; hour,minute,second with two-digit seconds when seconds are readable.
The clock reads 2,03
